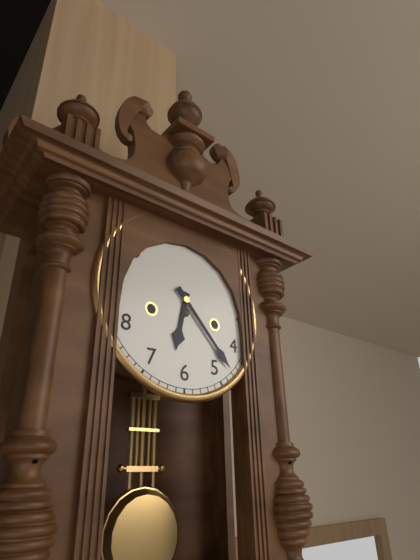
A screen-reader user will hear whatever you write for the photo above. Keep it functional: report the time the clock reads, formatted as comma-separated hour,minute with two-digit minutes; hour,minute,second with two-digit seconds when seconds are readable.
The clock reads 6,23
